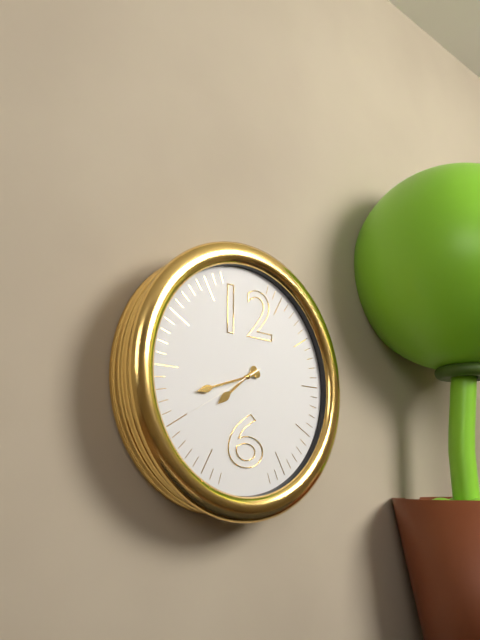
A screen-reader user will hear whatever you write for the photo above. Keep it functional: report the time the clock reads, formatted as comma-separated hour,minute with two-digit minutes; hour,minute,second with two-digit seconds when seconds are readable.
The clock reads 7,42,40
